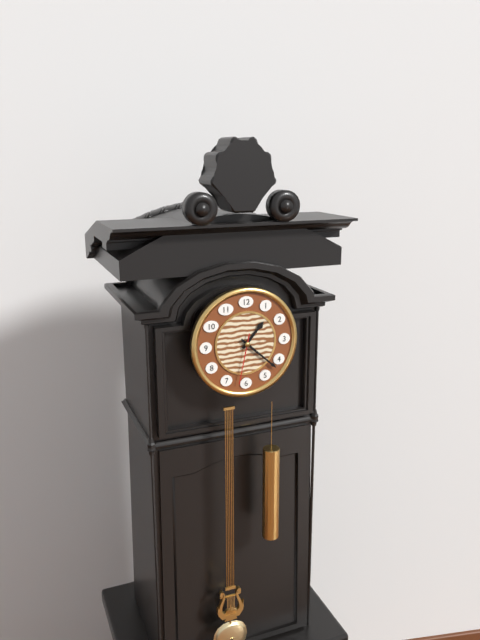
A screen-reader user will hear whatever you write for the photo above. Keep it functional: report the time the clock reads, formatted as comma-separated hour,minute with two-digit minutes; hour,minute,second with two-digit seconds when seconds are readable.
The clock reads 1,22,32
